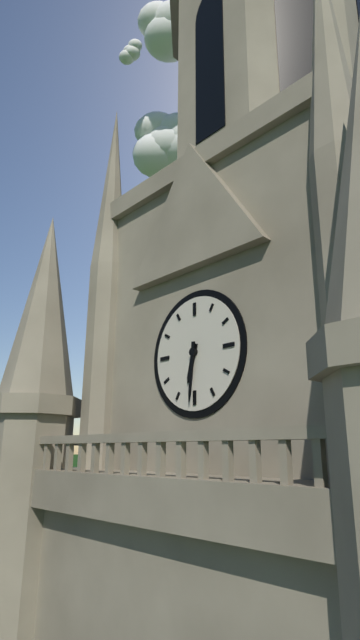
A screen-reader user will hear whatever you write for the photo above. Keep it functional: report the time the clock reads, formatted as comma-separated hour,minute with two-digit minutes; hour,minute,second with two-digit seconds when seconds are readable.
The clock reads 6,31
